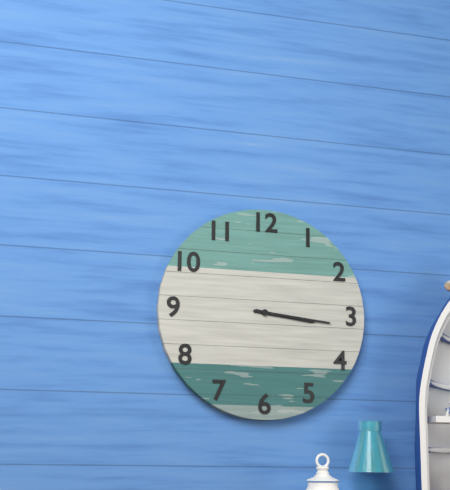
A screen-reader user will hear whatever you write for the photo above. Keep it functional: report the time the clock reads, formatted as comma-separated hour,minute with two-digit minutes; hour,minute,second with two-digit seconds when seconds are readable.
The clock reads 3,16
